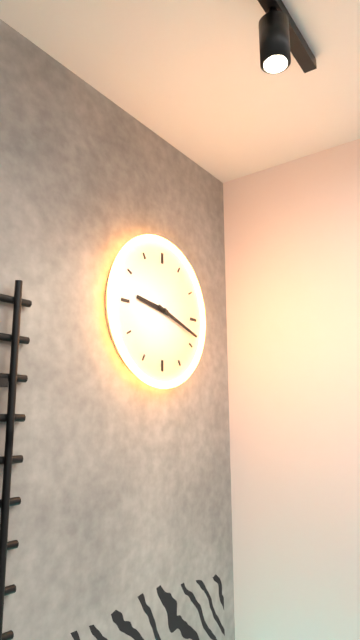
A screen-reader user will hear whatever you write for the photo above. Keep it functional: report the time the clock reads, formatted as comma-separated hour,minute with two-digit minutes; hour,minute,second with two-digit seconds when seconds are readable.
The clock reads 9,18
